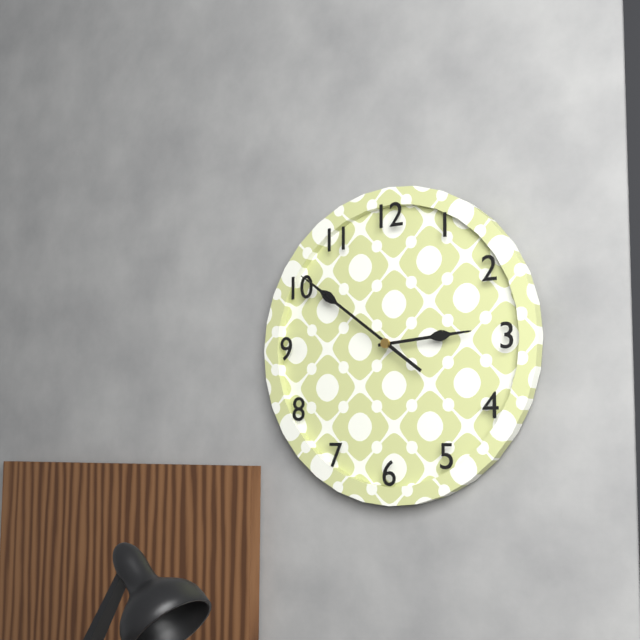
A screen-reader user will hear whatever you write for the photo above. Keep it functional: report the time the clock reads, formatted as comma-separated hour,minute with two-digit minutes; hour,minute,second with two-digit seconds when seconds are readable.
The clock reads 2,51,51
